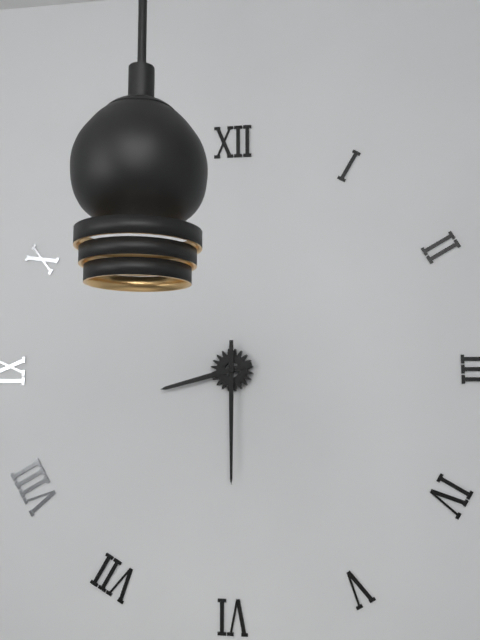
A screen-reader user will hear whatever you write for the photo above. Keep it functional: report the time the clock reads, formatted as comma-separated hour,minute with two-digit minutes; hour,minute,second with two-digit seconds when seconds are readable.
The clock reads 8,30
